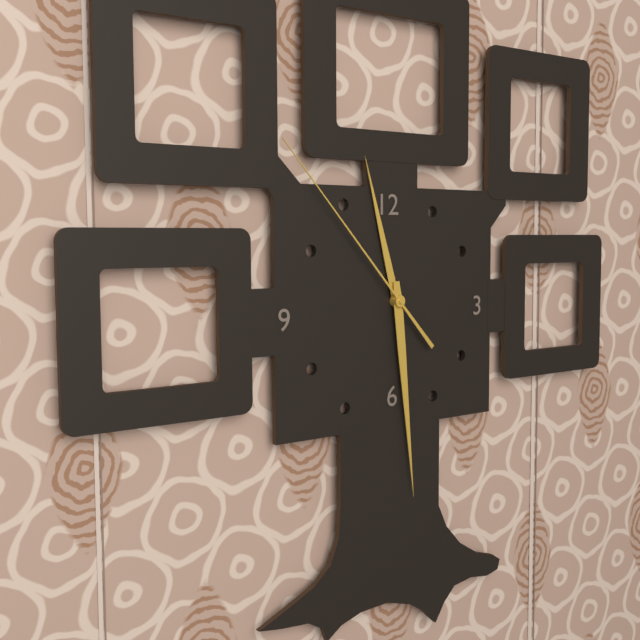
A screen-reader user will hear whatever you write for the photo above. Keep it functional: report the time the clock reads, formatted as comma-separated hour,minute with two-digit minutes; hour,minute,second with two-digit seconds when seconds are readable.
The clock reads 11,29,53
